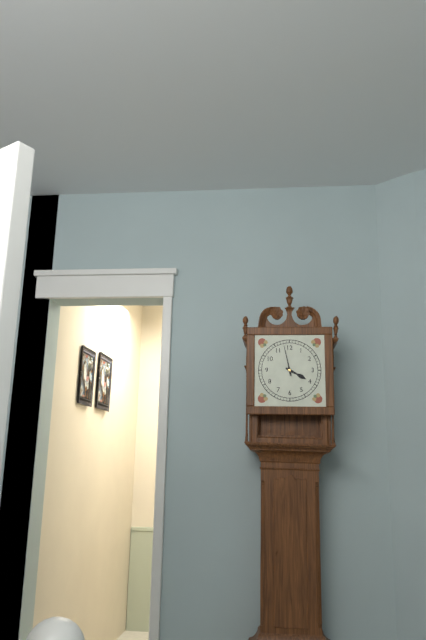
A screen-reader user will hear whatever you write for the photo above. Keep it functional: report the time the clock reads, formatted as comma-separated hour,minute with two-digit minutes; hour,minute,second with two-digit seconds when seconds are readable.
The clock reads 3,58
